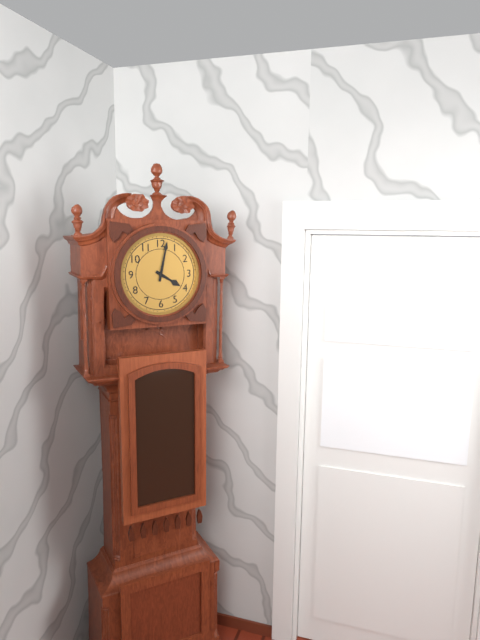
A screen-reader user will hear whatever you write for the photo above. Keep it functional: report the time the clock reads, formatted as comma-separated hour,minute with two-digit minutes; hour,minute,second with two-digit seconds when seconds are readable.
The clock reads 4,02
